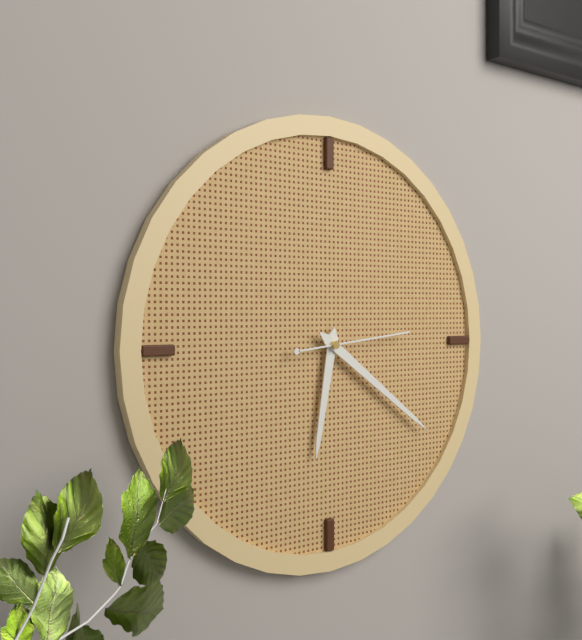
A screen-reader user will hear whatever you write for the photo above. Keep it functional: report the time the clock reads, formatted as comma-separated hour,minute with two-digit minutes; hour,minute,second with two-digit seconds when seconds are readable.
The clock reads 6,21,14
